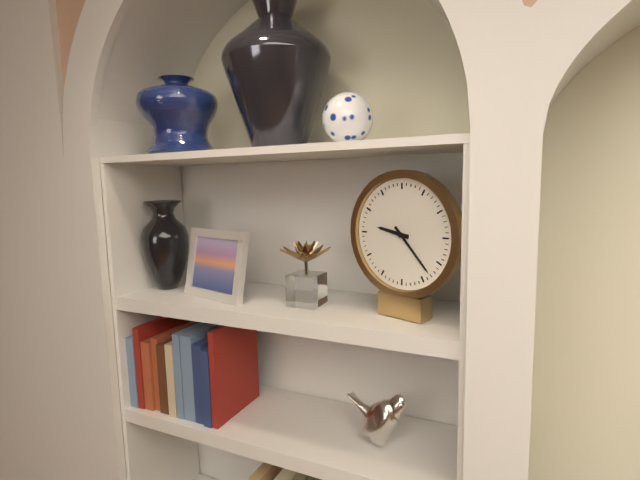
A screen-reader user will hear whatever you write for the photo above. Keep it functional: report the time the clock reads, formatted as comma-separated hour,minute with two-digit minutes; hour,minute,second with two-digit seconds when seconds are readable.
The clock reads 9,23
